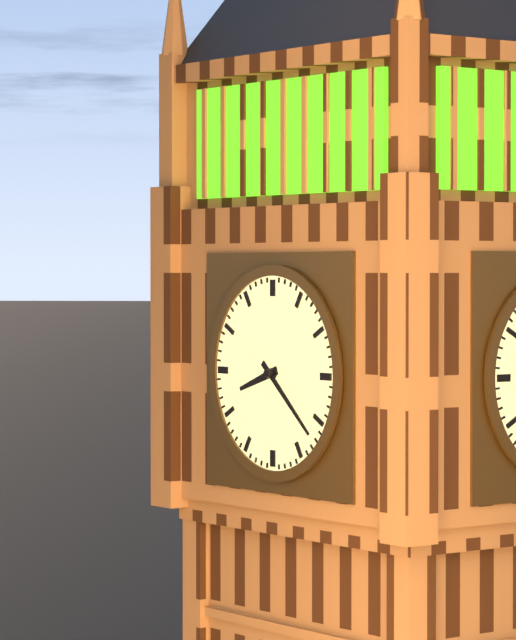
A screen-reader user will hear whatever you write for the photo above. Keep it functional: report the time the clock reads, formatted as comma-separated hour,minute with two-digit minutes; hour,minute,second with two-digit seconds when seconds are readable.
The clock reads 8,22
